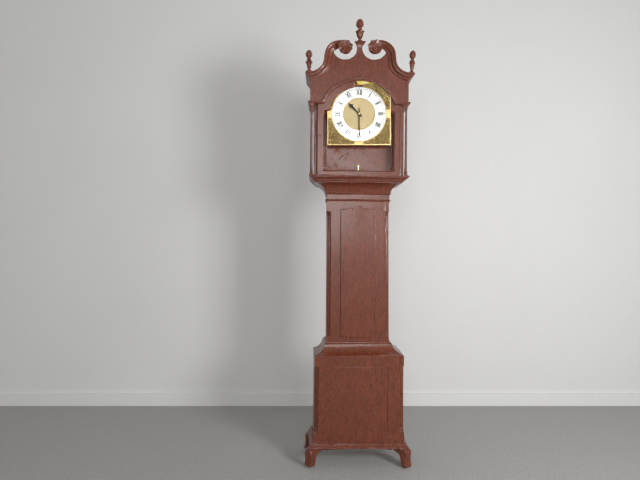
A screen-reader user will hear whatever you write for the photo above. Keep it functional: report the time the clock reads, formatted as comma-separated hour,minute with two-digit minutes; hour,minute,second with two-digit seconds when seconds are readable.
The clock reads 10,30
